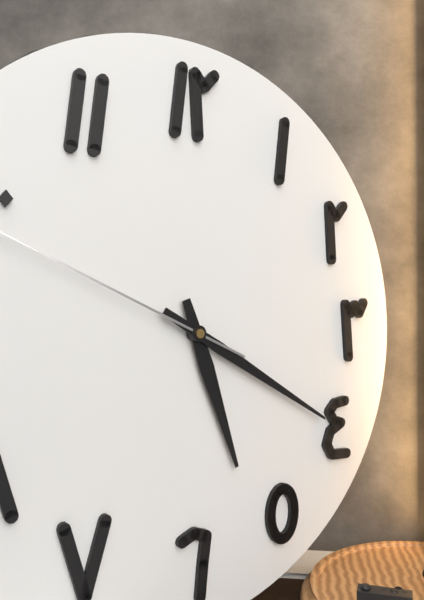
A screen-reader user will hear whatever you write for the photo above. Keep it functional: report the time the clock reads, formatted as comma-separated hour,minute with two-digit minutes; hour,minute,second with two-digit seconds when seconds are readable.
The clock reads 5,20
